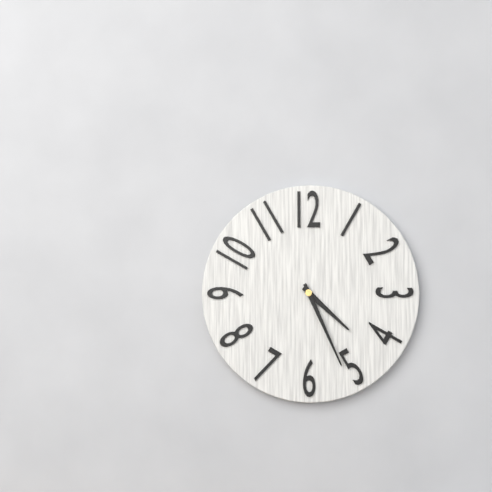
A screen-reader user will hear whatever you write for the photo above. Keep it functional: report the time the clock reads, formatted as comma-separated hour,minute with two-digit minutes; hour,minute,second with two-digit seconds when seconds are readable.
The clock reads 4,26
